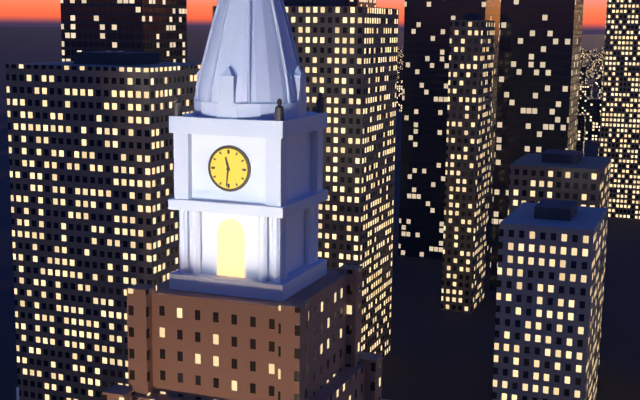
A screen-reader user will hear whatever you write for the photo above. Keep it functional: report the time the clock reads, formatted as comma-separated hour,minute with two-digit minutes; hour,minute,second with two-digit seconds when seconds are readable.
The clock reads 11,31
